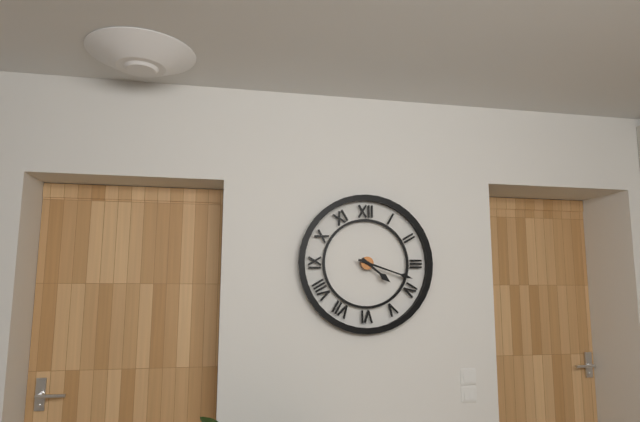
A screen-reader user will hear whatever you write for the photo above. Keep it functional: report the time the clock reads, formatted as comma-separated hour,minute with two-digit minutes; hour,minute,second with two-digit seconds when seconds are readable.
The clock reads 4,18
